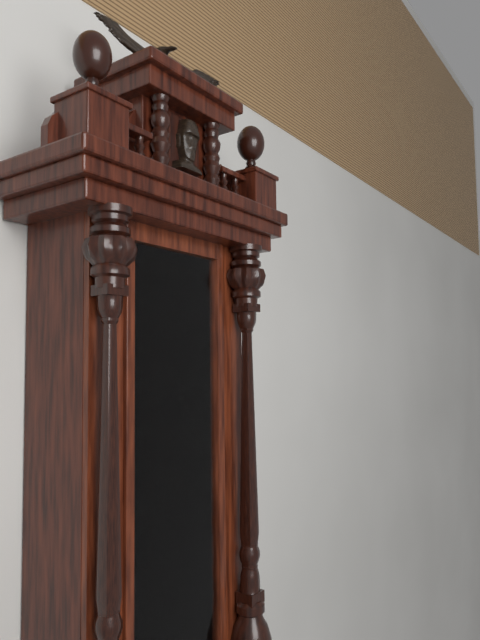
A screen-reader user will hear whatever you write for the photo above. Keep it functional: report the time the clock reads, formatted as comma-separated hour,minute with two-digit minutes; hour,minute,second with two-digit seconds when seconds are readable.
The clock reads 9,42
